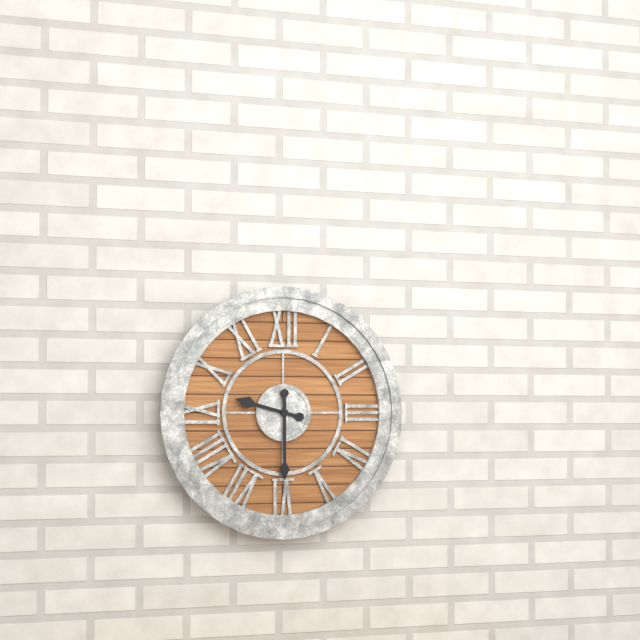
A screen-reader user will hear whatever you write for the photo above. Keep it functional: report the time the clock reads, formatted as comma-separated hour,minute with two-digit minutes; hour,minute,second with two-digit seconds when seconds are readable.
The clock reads 9,30
